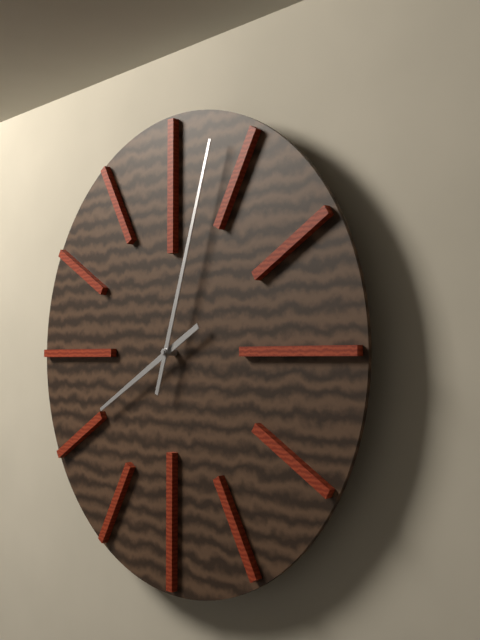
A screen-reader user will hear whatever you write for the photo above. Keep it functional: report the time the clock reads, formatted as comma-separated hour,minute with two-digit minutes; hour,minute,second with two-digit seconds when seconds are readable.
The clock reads 8,03
